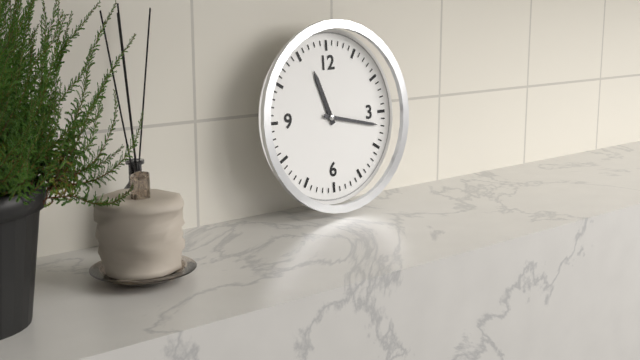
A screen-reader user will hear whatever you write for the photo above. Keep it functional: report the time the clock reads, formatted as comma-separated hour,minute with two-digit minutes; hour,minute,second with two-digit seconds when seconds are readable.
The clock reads 11,17
